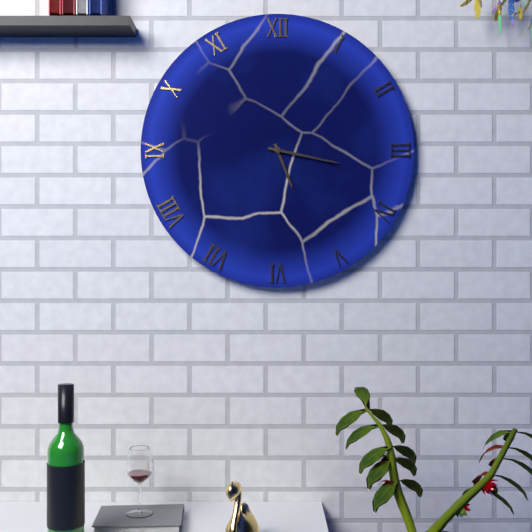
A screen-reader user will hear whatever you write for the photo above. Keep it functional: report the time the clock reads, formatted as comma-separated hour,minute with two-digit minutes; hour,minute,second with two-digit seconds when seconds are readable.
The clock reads 5,17
